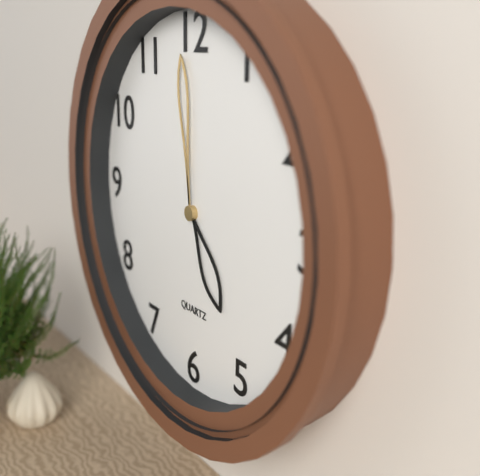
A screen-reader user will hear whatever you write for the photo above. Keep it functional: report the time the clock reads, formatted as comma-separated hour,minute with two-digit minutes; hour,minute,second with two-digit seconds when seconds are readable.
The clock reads 4,59
